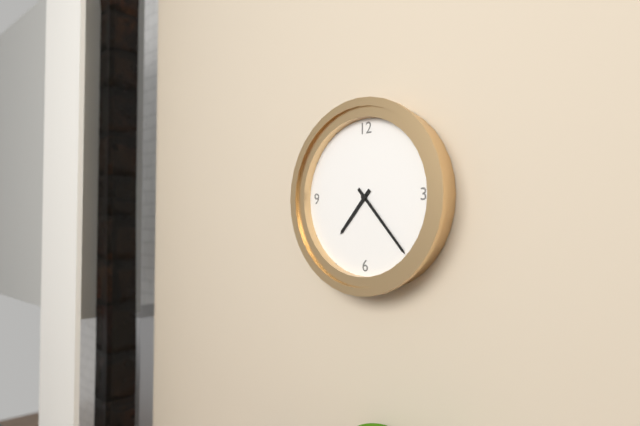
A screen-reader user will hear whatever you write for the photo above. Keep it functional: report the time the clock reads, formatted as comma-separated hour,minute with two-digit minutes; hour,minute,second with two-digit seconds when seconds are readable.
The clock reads 7,23
